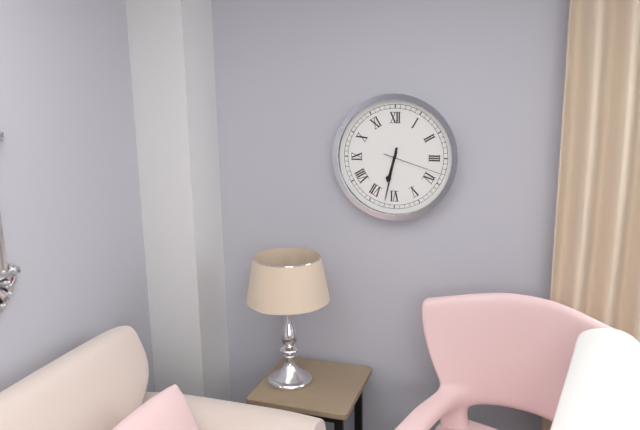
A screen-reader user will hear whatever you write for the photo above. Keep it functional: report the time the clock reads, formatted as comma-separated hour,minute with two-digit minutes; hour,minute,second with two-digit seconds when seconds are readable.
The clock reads 6,32,18
